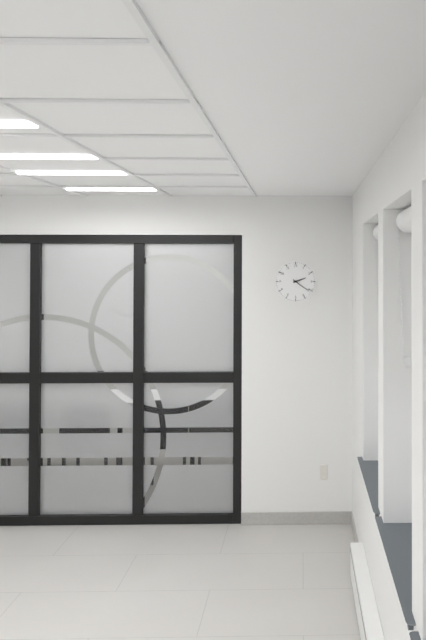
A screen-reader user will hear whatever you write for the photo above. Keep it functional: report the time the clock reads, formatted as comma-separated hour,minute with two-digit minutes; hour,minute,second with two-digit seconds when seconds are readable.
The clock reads 2,21
